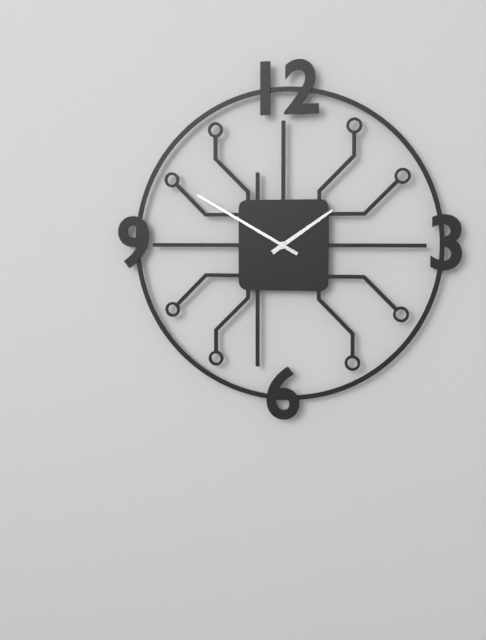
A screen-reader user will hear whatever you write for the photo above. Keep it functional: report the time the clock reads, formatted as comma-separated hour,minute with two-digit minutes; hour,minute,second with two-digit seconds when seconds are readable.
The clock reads 1,50
